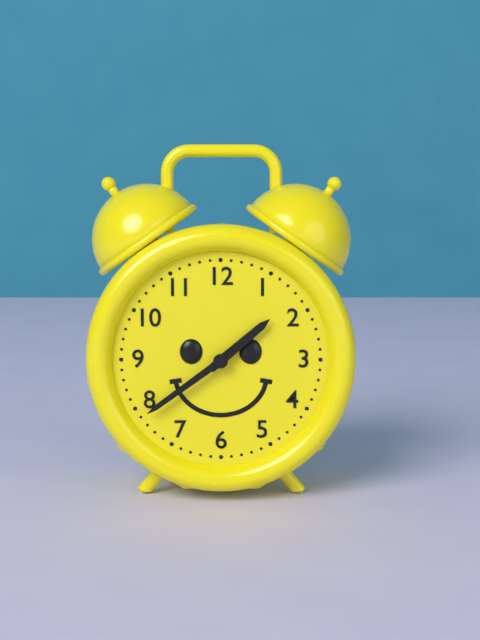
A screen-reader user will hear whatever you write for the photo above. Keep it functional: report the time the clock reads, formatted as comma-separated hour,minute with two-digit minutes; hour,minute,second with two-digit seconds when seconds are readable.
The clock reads 1,39
